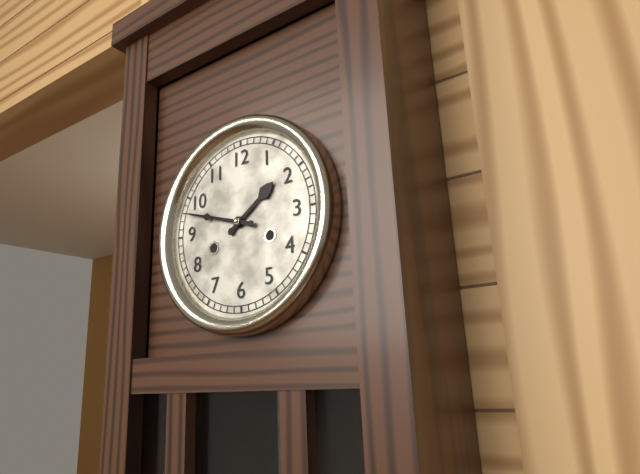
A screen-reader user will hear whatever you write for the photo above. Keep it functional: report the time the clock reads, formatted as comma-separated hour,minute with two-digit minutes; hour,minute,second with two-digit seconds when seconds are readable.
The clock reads 1,48
